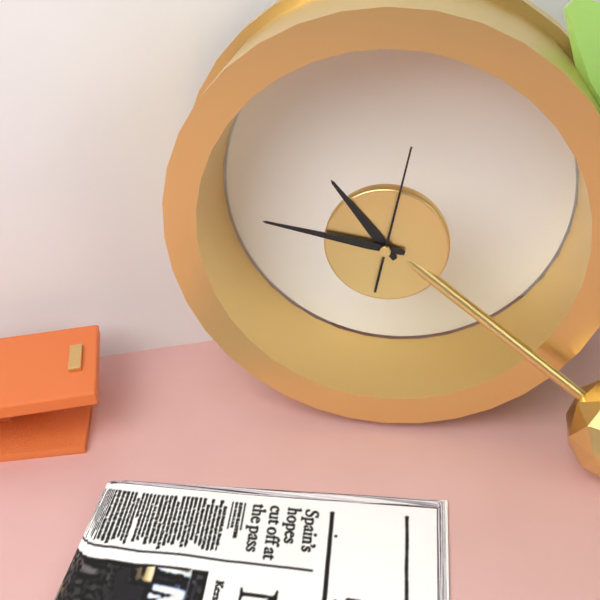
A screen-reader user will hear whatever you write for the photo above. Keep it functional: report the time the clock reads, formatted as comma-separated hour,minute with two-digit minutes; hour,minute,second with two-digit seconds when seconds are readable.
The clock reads 10,47,02
